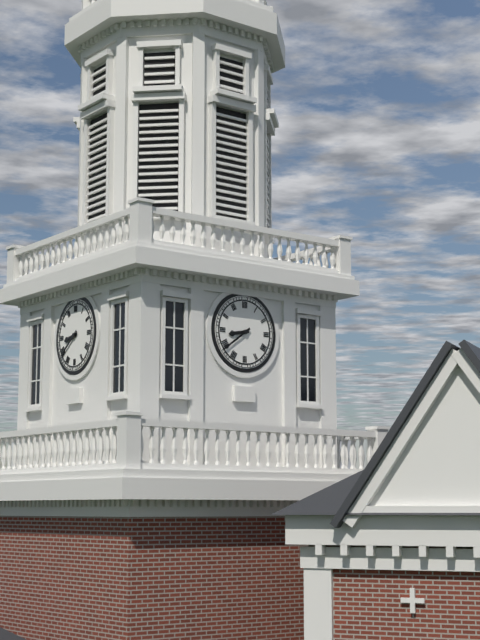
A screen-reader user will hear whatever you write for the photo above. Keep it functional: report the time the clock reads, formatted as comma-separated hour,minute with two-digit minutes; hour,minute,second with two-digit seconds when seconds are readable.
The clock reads 8,39
